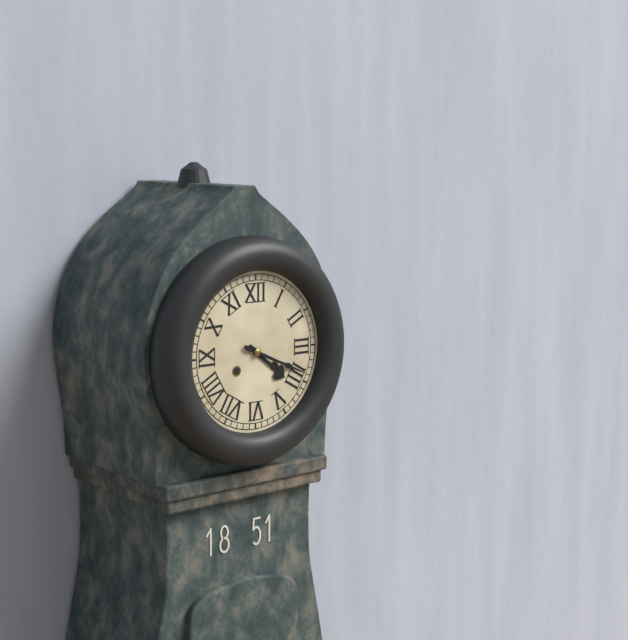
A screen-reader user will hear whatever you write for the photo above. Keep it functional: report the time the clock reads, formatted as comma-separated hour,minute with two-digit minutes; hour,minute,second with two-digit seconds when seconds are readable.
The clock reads 4,19
